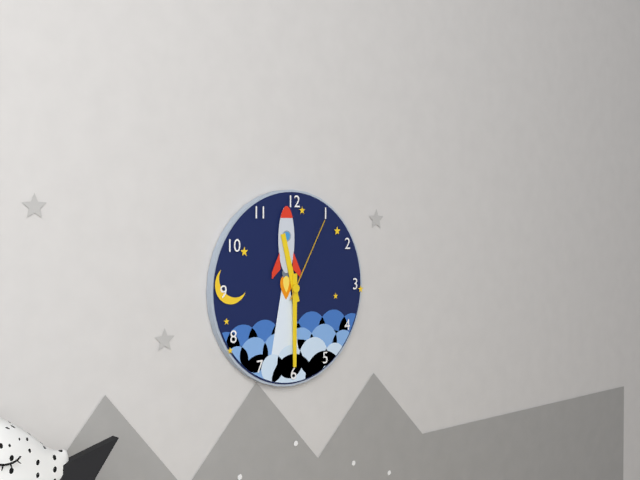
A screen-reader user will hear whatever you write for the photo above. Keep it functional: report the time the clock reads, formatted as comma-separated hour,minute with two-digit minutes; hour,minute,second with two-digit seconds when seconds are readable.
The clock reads 11,30,05
